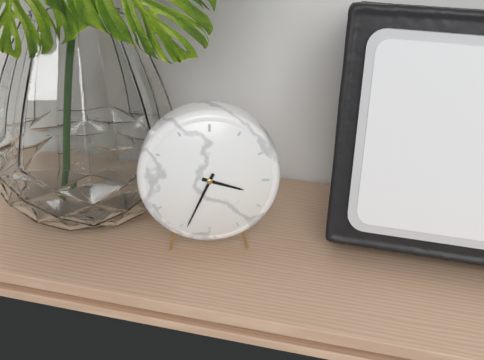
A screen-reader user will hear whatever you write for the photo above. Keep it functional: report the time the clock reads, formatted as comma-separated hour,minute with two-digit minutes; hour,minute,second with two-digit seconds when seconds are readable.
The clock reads 3,34
